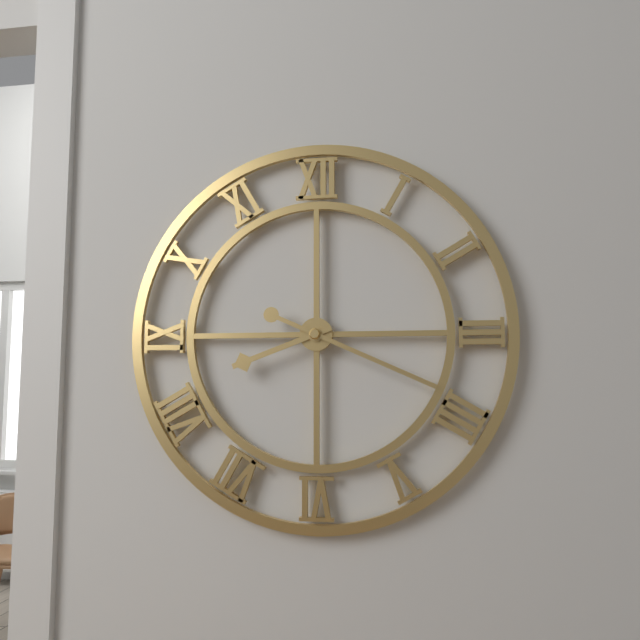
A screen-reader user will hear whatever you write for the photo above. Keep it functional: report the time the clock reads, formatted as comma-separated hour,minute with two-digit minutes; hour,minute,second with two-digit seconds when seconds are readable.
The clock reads 8,19
